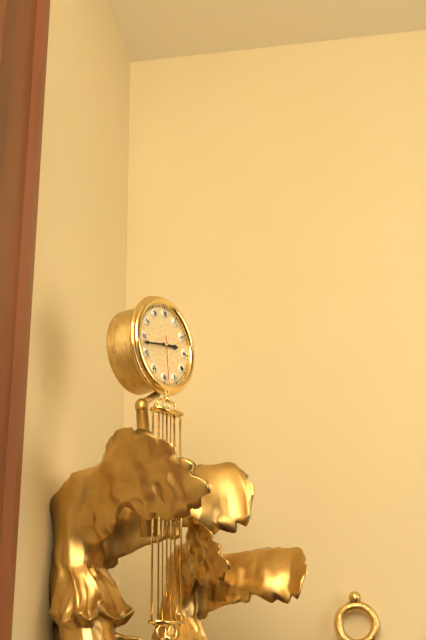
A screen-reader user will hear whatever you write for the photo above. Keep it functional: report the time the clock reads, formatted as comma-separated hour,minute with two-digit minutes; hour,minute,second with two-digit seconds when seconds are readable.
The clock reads 2,43
